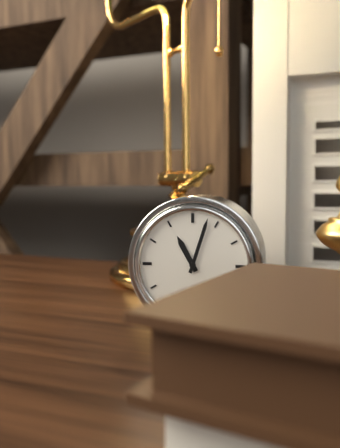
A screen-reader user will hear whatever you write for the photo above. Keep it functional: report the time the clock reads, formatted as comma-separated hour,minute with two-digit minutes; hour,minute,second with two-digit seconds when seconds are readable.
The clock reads 11,03
